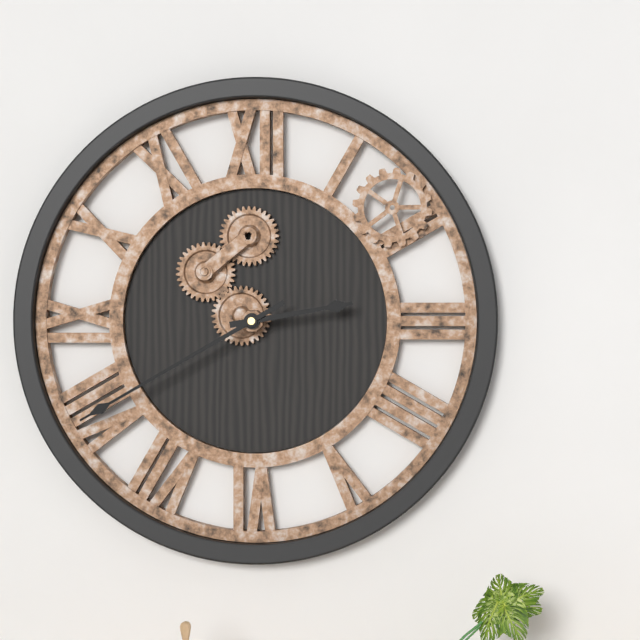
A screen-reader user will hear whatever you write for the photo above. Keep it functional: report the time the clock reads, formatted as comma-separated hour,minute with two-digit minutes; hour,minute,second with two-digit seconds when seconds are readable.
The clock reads 2,40
